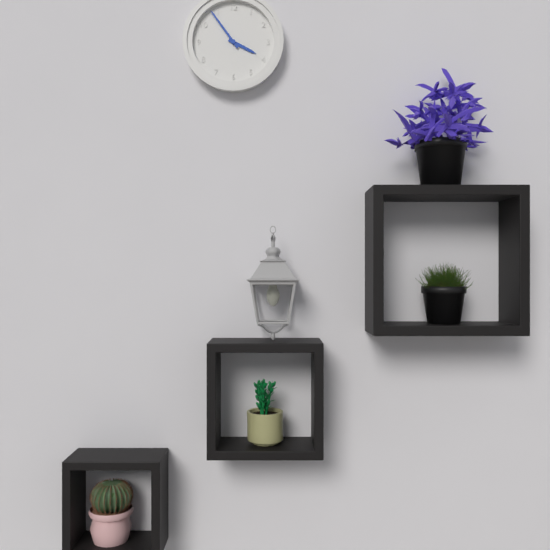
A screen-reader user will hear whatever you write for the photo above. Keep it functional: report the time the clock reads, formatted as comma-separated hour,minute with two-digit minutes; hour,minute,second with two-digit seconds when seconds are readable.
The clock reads 3,54
